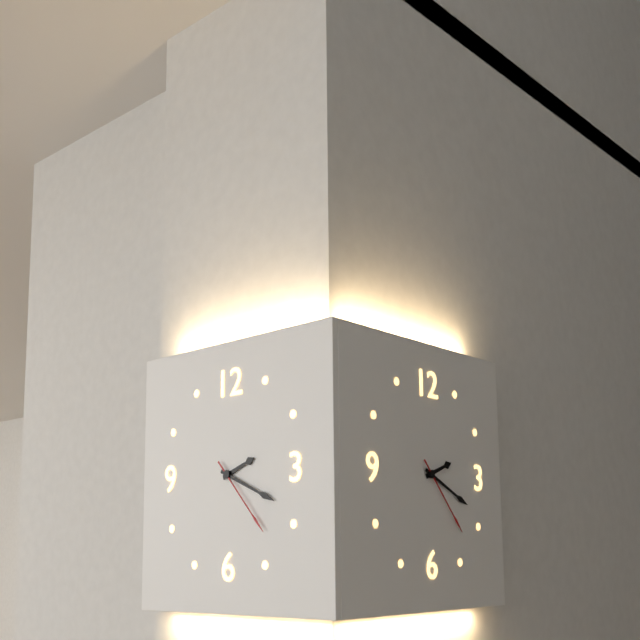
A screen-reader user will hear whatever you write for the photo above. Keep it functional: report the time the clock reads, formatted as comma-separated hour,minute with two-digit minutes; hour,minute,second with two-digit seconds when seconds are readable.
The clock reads 2,19,23
